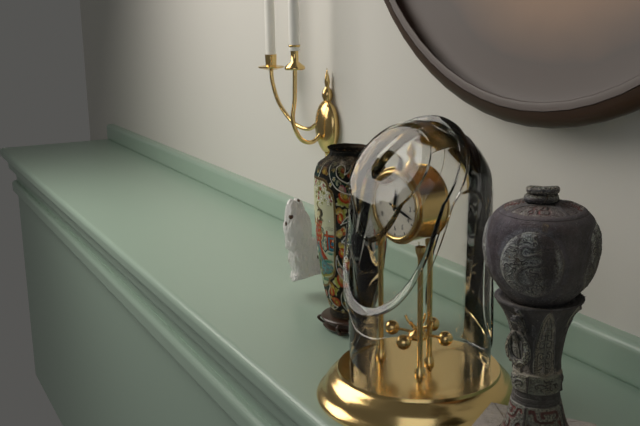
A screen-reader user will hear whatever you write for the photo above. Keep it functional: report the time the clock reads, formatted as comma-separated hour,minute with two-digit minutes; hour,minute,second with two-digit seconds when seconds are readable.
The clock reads 12,18
